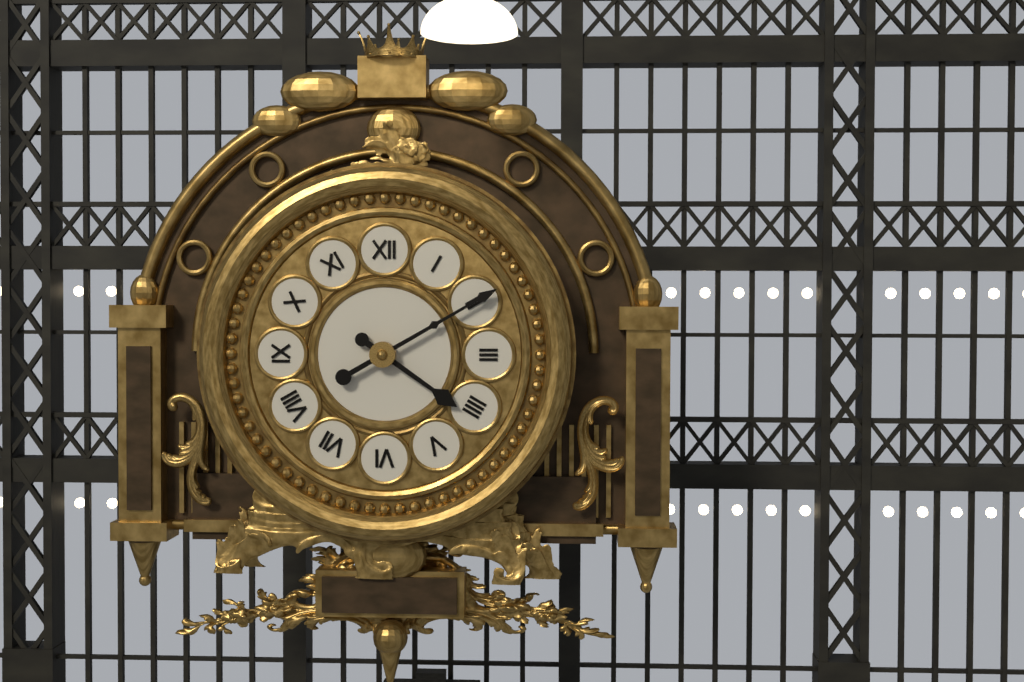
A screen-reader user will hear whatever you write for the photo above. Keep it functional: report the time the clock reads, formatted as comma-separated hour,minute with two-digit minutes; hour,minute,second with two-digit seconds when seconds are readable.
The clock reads 4,10
